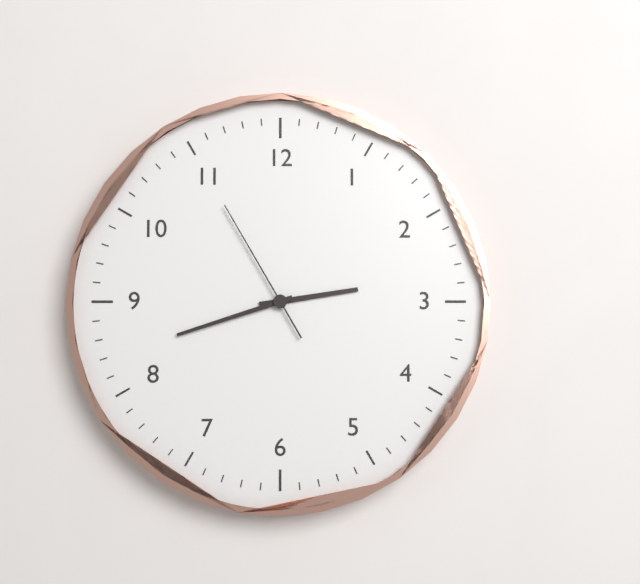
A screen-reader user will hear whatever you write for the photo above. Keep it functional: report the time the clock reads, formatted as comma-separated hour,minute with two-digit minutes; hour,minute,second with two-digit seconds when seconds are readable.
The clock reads 2,42,55
